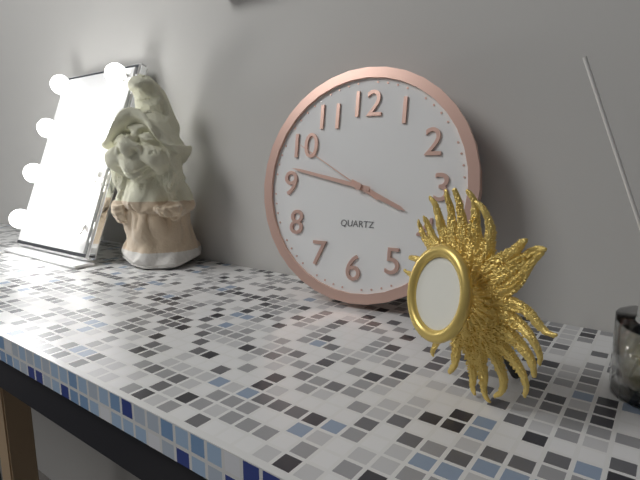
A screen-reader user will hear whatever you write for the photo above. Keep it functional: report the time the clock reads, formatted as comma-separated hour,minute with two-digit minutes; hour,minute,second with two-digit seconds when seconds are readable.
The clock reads 3,47,50
